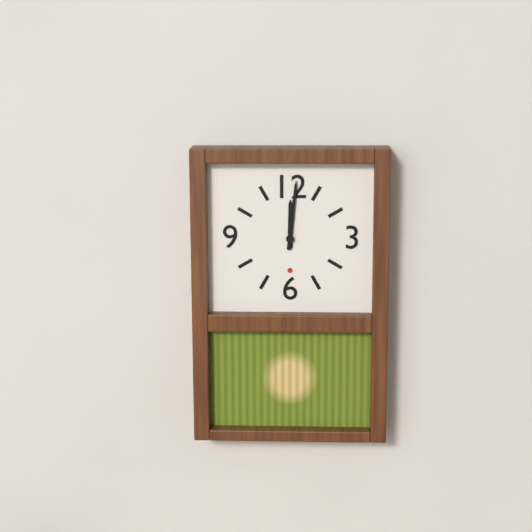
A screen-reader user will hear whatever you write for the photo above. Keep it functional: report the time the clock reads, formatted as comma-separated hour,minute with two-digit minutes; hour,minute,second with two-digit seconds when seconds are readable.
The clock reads 12,01
